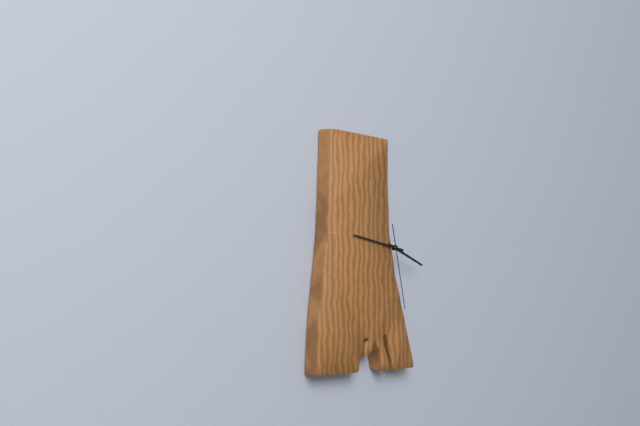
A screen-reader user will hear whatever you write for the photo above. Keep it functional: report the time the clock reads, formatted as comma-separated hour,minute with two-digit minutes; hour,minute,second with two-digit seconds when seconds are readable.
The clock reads 3,47,28
